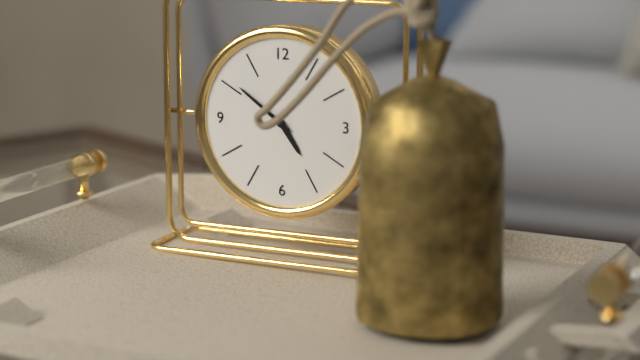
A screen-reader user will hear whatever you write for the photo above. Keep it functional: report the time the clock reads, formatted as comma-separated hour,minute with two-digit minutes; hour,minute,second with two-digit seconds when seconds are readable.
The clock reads 4,51
